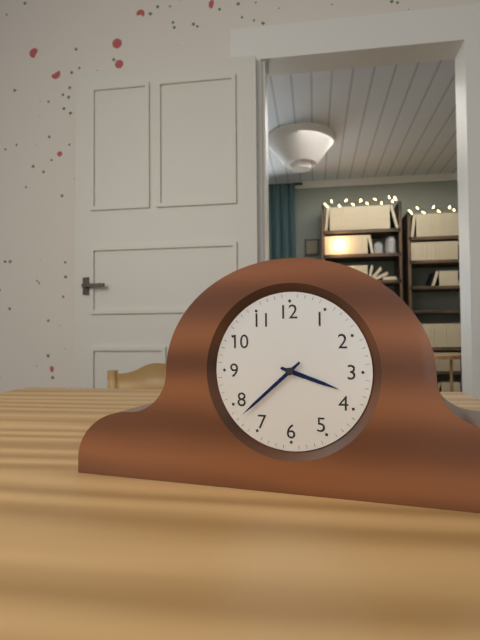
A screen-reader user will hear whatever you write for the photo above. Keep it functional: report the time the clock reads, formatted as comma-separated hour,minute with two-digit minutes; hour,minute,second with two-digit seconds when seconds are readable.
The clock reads 3,38
